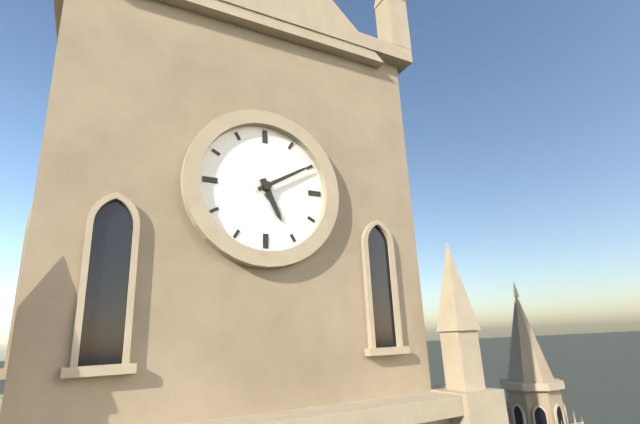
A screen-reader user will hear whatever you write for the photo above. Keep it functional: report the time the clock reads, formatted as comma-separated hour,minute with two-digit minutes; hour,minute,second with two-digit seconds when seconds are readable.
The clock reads 5,10
